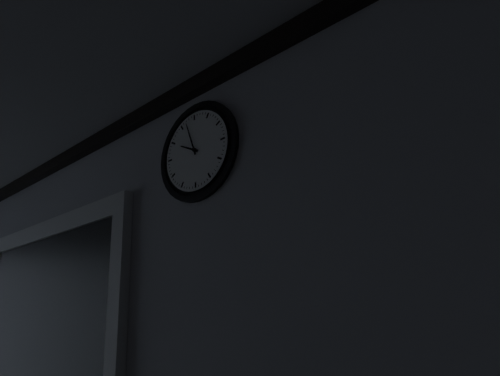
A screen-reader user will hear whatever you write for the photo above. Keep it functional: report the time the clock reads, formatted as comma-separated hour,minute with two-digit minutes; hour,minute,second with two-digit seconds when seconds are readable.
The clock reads 9,57
